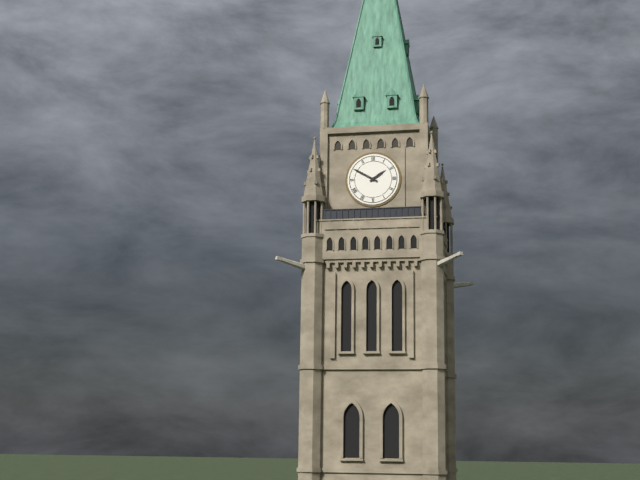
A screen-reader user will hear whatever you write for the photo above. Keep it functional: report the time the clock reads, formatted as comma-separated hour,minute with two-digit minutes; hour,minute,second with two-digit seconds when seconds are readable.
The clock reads 1,50
